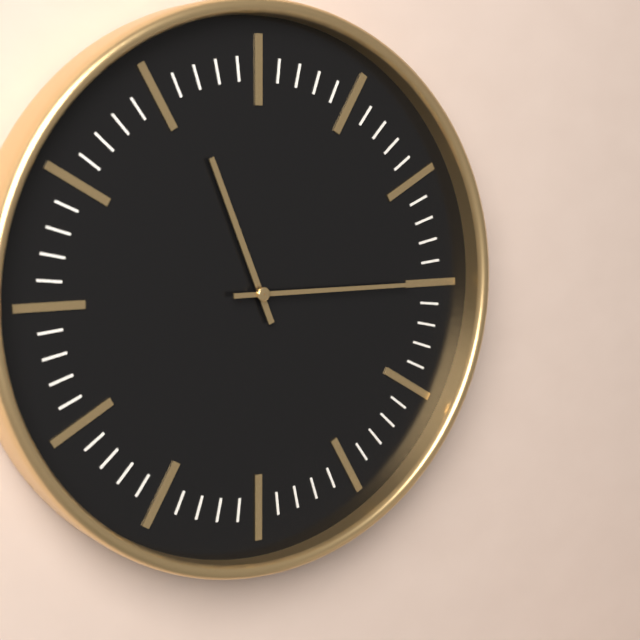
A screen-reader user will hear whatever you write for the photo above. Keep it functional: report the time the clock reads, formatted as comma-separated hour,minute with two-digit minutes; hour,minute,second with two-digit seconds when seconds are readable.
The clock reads 11,15
